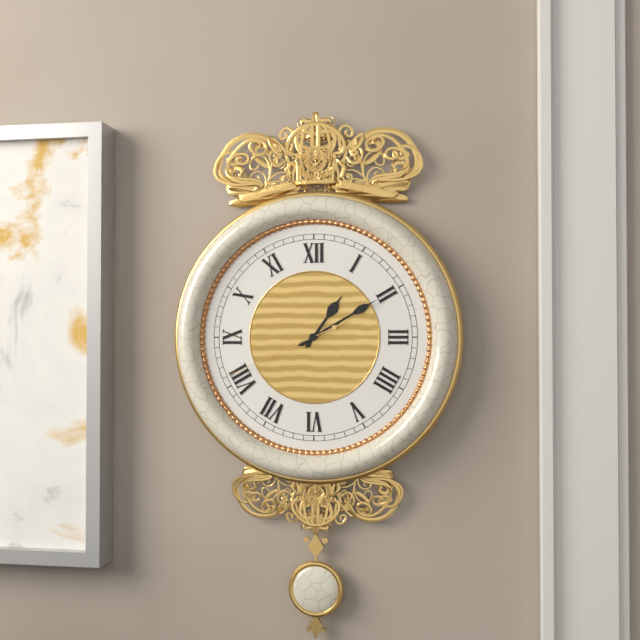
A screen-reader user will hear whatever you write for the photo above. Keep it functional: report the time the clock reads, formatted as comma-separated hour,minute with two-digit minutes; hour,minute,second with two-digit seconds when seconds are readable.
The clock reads 1,10,41
